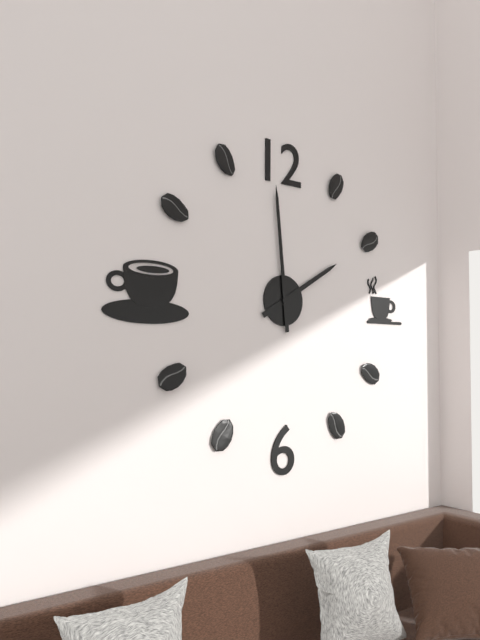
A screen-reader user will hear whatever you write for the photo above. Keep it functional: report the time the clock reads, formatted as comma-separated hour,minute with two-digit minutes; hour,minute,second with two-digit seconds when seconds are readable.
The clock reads 1,59
